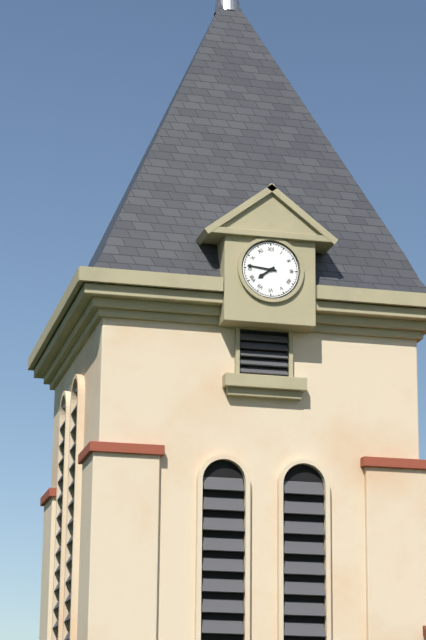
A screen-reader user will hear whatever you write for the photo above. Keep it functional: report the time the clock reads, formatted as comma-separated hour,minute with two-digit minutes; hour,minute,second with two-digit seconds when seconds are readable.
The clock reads 7,46
